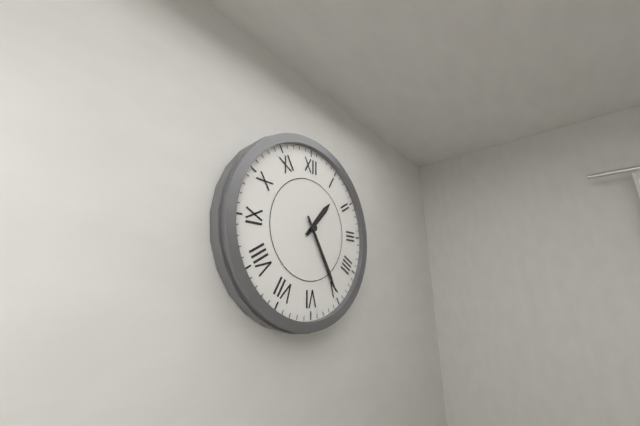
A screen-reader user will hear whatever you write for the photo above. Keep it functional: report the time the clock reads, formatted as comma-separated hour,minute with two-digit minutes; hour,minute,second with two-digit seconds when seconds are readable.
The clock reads 1,25
